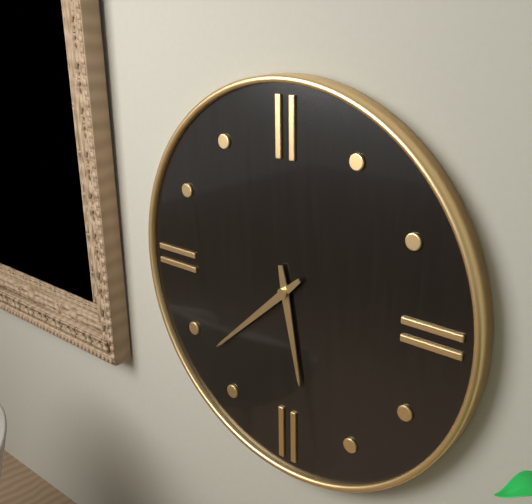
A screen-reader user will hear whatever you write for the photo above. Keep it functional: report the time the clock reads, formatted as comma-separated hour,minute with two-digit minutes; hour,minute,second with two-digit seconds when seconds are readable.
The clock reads 5,38
